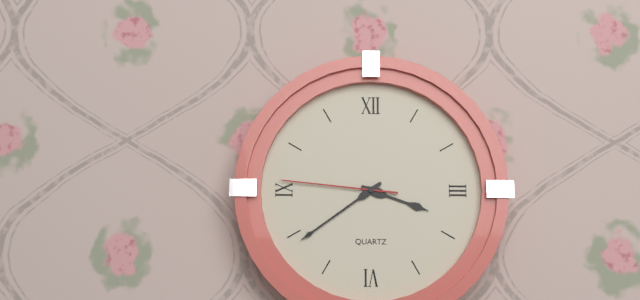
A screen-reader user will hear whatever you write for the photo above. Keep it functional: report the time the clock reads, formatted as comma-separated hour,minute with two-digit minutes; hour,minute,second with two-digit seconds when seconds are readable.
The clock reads 3,39,46
